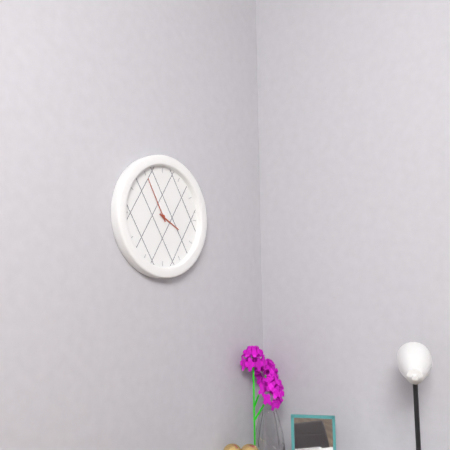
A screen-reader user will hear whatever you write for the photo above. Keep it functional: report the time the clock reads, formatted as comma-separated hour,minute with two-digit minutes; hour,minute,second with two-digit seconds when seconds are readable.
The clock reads 3,55
